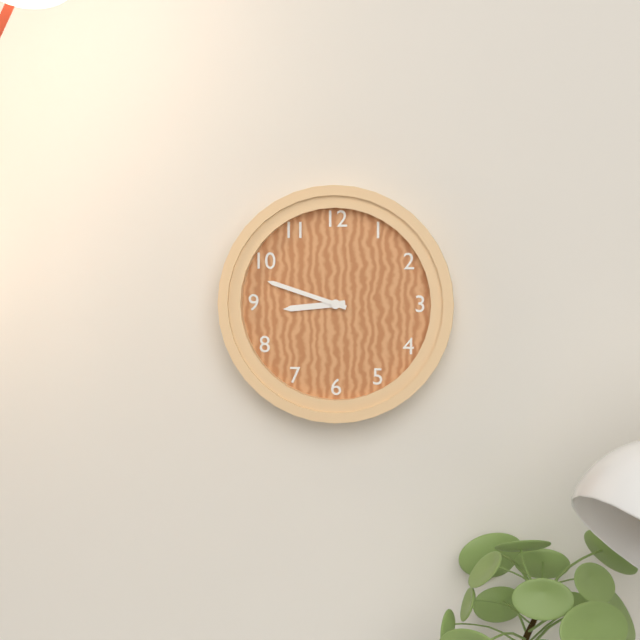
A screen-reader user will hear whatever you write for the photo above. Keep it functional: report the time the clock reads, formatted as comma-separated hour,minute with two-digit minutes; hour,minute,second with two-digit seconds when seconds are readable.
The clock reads 8,48
